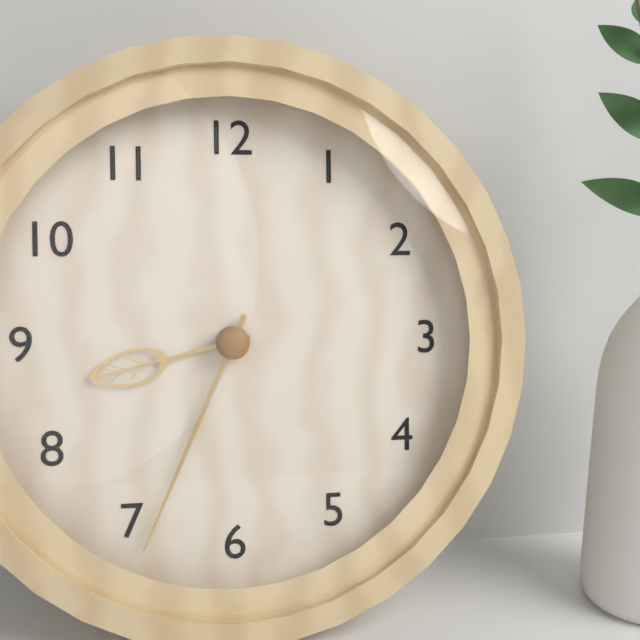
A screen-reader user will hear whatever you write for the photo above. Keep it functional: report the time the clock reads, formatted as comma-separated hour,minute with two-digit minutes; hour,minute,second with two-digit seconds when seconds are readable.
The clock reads 8,34
